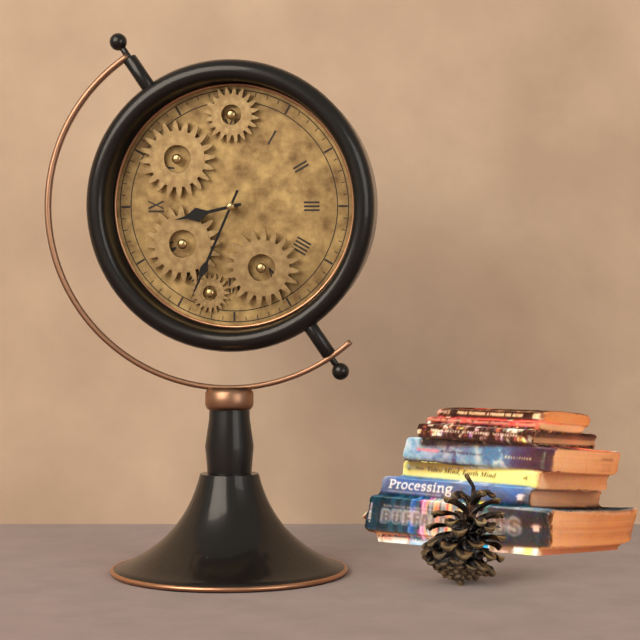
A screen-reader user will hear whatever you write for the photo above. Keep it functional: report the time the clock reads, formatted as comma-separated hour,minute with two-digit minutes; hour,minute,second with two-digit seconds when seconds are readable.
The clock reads 8,34
